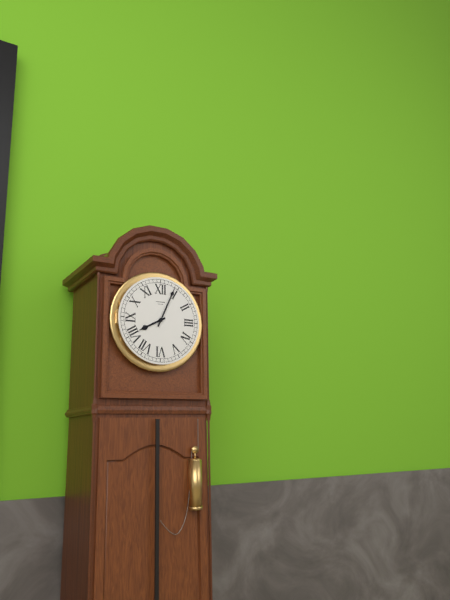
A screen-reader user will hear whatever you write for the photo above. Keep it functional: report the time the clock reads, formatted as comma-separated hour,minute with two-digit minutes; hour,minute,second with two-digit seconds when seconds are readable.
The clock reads 8,04
